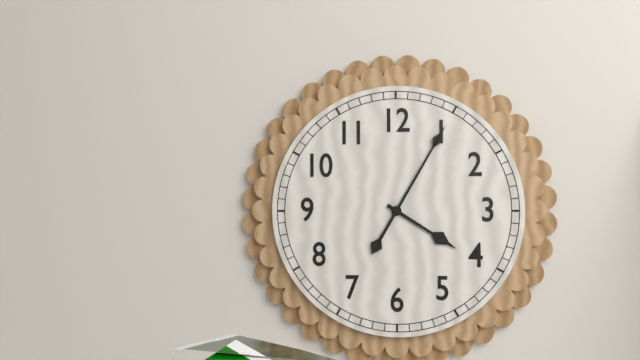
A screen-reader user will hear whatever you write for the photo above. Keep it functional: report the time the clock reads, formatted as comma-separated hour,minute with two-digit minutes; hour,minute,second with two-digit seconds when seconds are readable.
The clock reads 4,05
